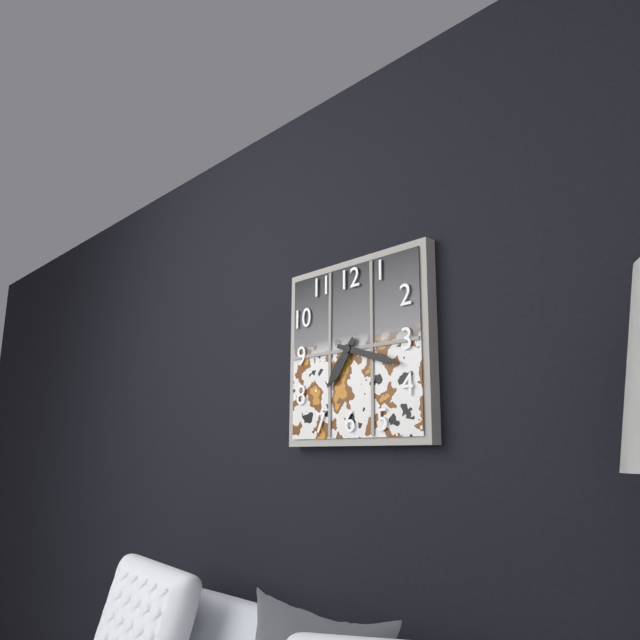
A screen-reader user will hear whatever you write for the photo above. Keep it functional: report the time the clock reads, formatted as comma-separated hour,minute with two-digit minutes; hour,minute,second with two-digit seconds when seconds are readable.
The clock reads 7,18
